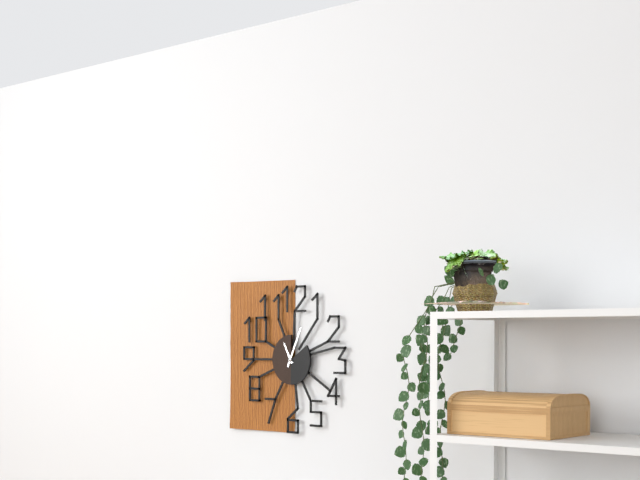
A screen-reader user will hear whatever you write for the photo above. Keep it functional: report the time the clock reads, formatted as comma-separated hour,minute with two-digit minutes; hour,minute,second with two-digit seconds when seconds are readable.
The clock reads 11,04
